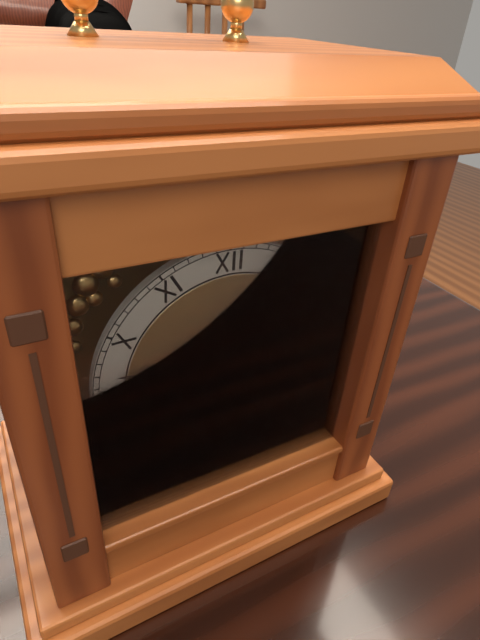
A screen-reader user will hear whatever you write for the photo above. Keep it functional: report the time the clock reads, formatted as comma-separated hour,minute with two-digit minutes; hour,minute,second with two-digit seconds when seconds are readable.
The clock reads 7,47
